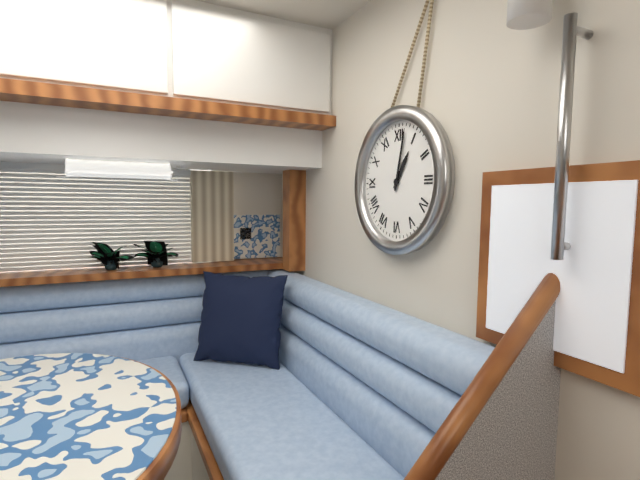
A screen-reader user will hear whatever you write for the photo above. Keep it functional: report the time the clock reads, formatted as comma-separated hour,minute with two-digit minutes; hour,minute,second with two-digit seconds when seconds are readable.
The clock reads 1,02
